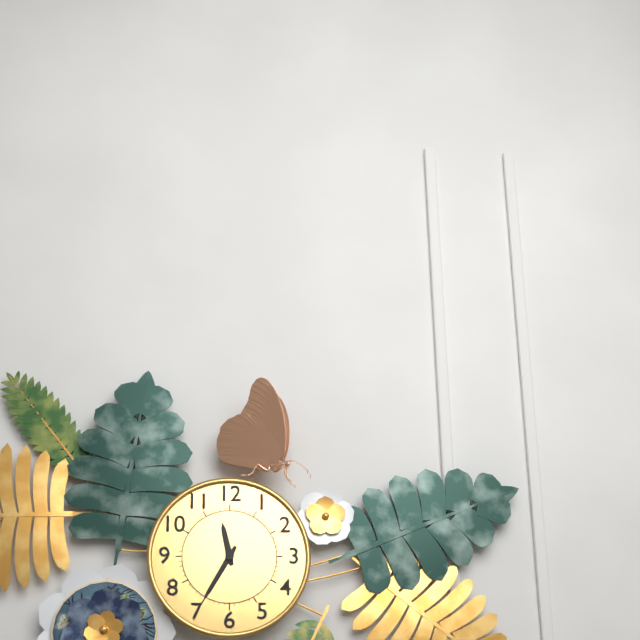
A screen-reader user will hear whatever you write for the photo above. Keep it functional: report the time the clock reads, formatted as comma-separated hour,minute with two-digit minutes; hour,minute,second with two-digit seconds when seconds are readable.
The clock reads 11,35
